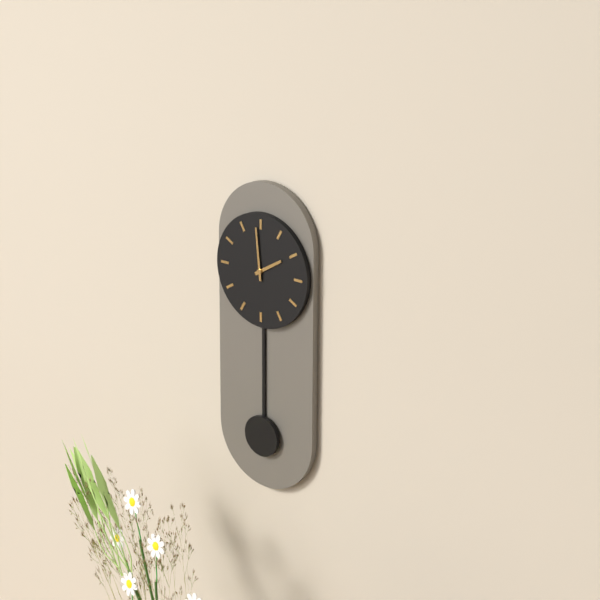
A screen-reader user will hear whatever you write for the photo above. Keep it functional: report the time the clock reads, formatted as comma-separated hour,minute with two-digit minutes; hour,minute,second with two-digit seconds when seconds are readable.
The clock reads 1,59
